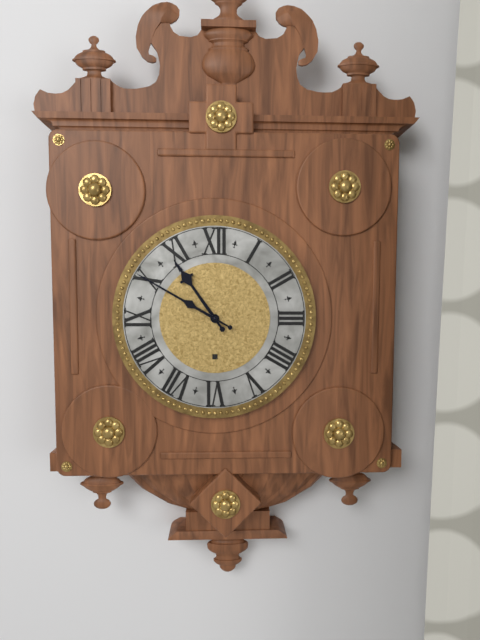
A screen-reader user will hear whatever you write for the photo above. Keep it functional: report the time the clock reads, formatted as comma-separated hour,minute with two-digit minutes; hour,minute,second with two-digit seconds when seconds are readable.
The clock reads 10,50
